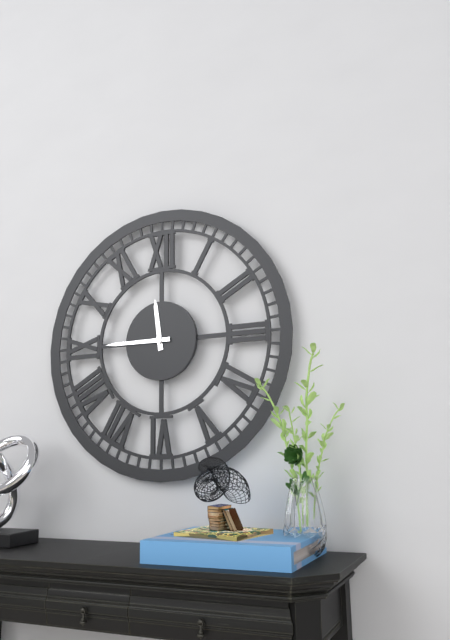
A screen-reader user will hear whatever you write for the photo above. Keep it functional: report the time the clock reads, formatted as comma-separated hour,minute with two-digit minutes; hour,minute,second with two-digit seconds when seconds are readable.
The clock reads 11,45
